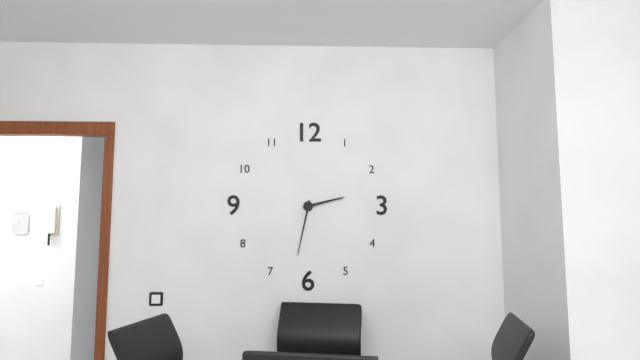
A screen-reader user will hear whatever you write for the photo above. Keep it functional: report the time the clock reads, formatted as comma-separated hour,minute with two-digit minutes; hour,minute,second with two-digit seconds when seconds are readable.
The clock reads 2,32
